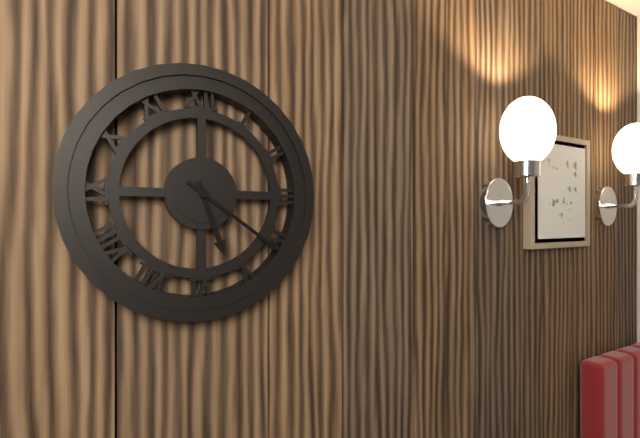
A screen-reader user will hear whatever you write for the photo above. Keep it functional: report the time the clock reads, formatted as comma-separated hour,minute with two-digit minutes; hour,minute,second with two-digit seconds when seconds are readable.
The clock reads 5,21
